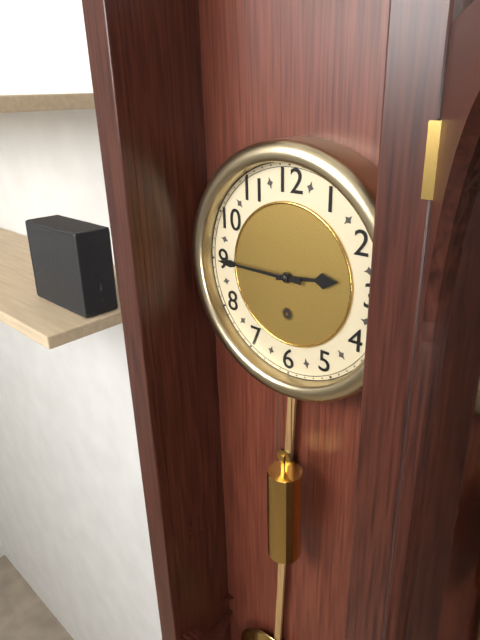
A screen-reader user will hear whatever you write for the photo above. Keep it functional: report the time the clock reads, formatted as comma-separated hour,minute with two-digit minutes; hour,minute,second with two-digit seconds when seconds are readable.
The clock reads 2,45
